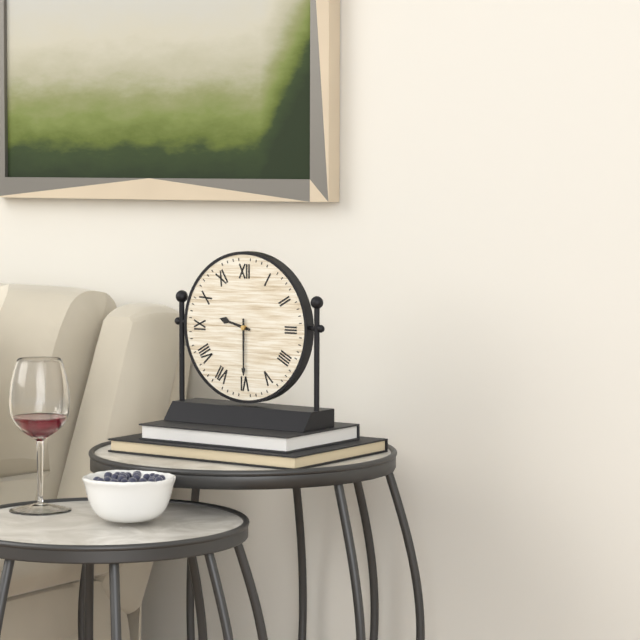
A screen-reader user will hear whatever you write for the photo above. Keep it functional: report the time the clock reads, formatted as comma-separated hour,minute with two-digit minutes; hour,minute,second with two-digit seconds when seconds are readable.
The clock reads 9,30
